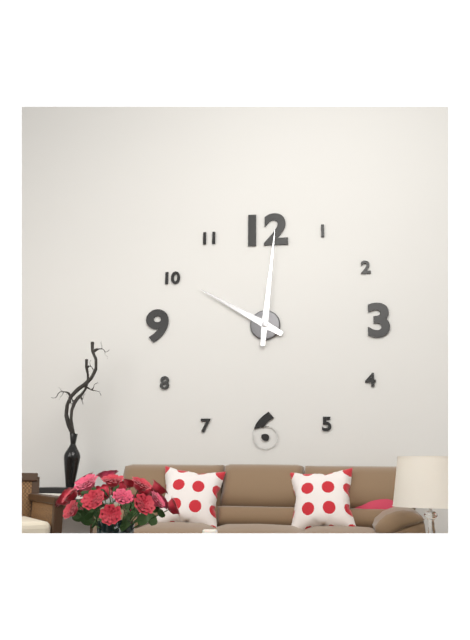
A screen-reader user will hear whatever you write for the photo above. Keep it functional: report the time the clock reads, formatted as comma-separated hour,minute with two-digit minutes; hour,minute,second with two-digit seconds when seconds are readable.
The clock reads 10,01
